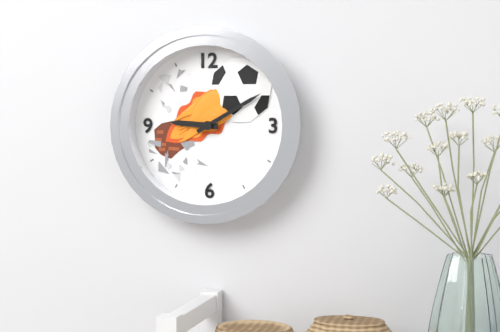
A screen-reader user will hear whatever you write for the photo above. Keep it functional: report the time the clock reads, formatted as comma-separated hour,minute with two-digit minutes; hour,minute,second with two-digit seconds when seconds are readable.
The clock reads 9,10
